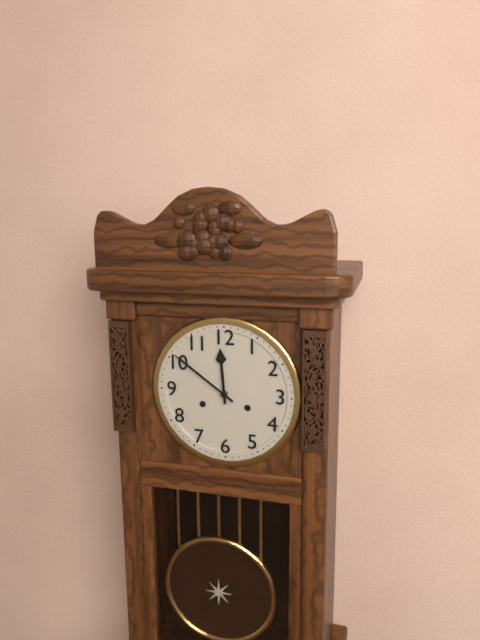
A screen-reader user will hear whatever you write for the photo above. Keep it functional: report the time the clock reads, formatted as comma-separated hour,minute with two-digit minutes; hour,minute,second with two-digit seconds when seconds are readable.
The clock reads 11,51
